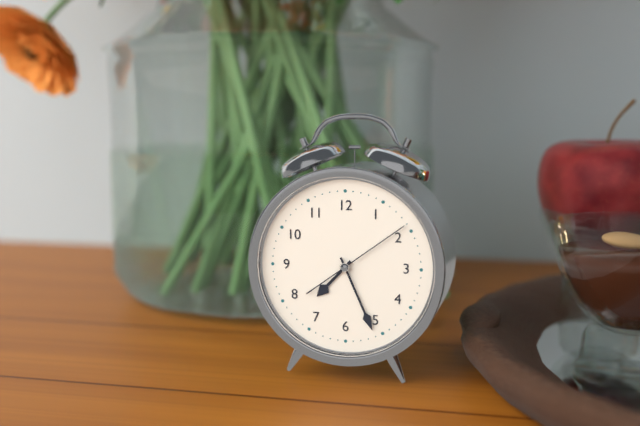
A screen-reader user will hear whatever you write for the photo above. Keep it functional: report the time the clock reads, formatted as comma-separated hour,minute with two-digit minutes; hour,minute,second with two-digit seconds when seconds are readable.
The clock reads 7,26,09
